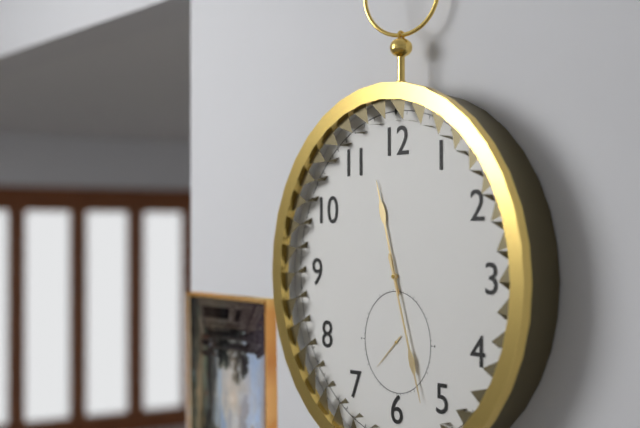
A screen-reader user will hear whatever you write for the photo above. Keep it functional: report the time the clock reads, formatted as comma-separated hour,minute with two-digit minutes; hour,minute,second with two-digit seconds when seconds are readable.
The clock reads 11,27
